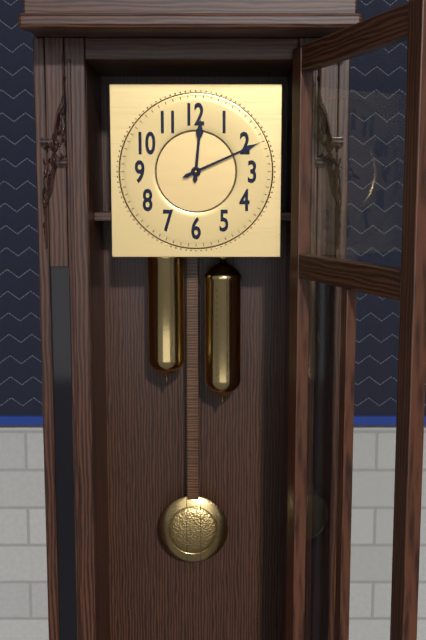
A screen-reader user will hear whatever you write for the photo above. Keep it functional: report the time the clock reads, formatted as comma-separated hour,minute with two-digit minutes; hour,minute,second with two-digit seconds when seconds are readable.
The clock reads 12,11
